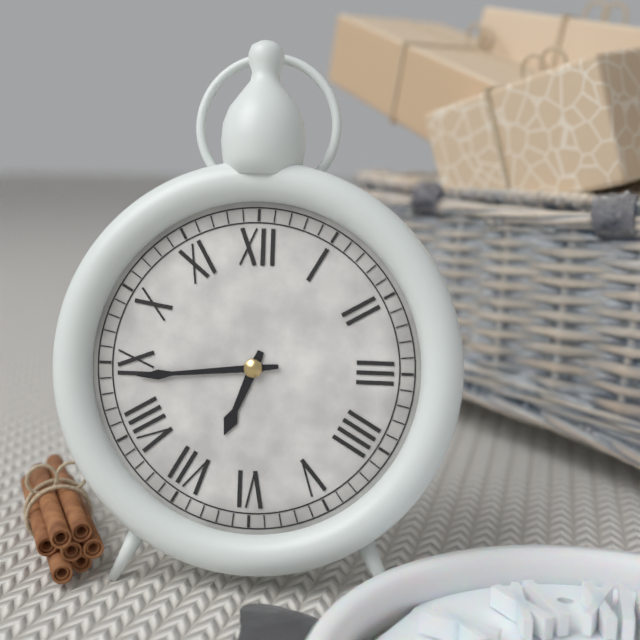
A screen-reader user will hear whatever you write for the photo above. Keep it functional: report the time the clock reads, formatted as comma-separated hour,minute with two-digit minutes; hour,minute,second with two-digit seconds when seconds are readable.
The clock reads 6,44
